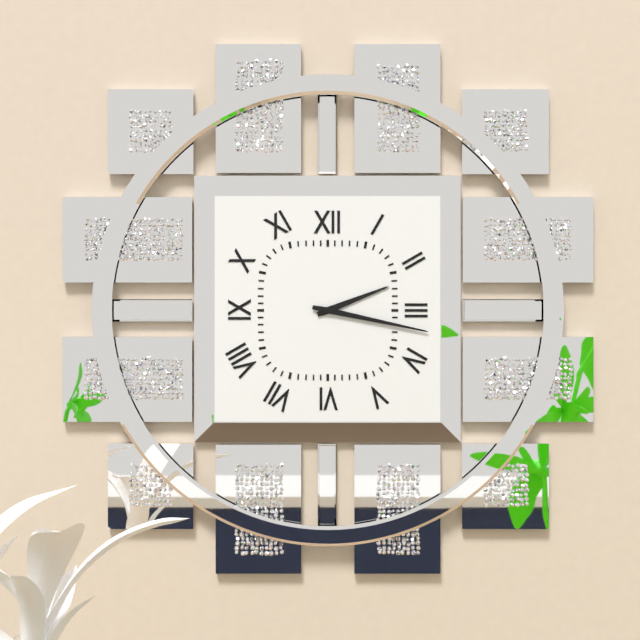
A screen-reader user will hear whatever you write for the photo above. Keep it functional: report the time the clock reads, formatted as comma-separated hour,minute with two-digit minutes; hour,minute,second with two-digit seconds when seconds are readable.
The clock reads 2,17
